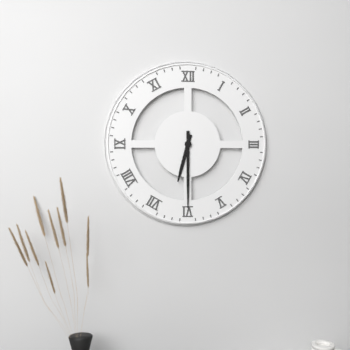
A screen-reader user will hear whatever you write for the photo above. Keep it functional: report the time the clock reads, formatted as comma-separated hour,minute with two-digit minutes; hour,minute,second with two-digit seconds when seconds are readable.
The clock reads 6,30
